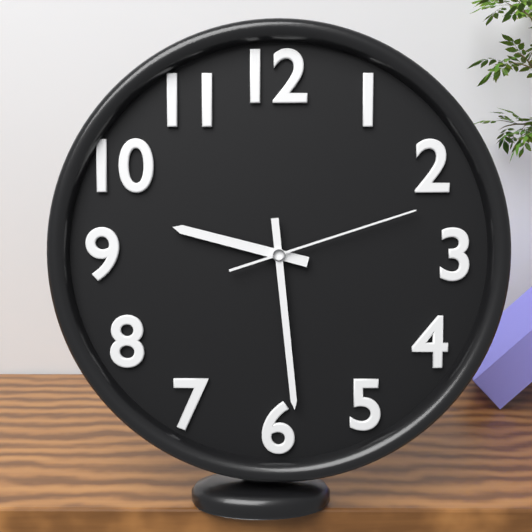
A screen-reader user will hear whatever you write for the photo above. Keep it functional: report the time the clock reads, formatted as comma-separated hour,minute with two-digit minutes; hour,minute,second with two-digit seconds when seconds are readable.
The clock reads 9,29,12
